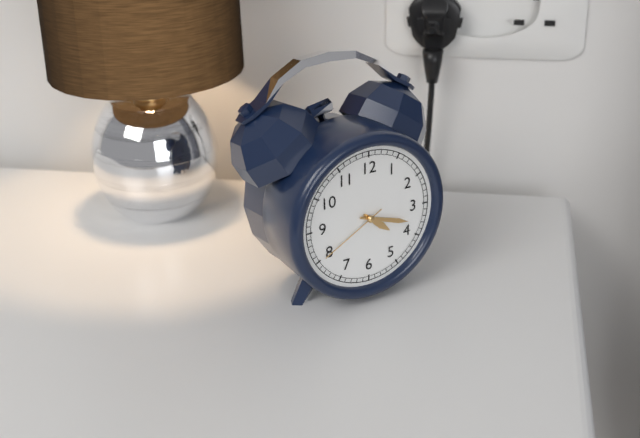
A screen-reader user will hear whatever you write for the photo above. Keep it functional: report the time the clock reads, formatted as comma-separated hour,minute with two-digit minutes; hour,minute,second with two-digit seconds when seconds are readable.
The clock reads 4,18,40
